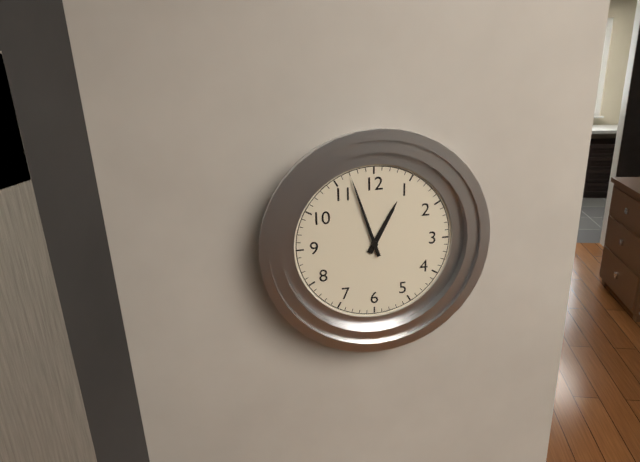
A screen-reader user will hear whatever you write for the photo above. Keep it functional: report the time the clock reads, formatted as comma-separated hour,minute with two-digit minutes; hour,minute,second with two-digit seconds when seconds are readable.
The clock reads 12,57
